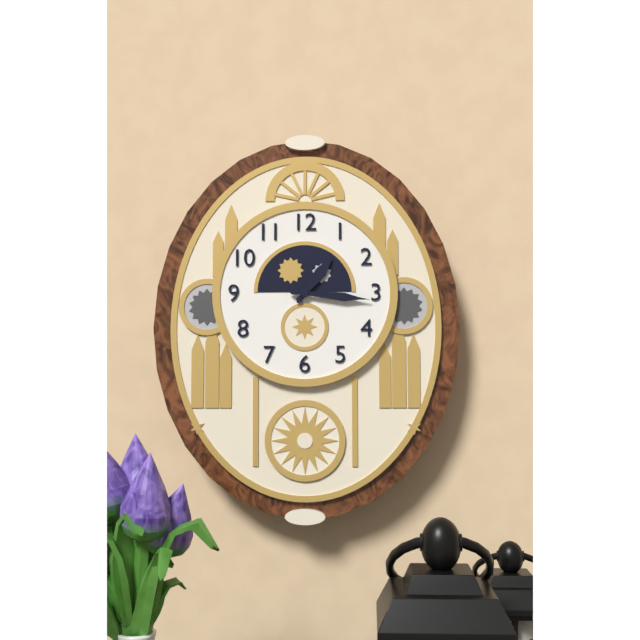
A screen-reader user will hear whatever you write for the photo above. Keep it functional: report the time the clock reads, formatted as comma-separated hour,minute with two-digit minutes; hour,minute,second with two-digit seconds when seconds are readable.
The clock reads 1,16
